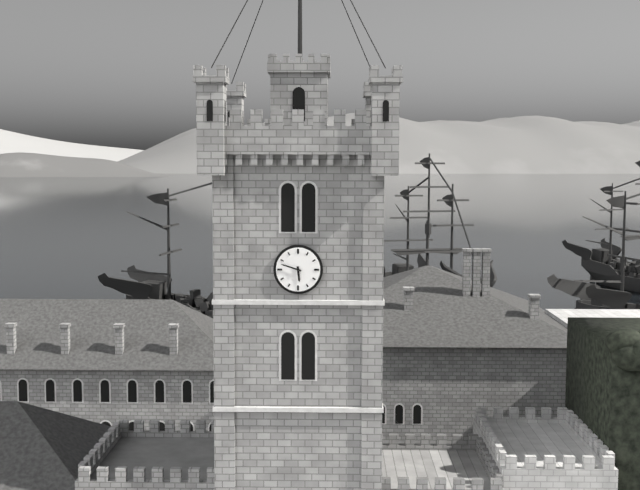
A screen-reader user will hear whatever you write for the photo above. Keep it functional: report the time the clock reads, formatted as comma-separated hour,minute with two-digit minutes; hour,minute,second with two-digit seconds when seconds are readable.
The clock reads 5,48
